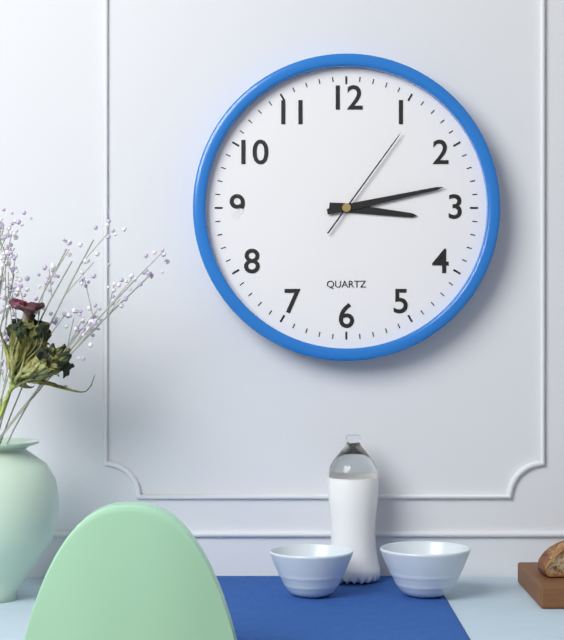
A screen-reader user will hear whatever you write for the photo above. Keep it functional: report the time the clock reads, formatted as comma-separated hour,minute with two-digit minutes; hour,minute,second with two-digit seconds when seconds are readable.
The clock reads 3,13,06
